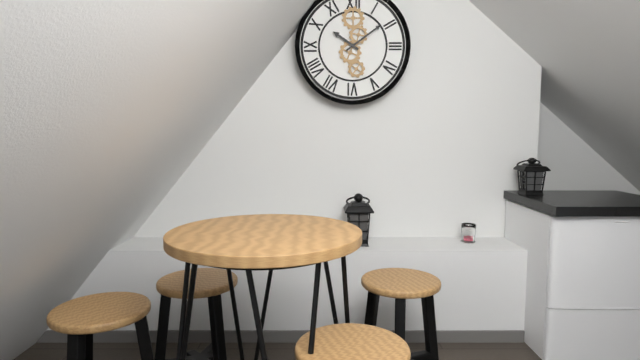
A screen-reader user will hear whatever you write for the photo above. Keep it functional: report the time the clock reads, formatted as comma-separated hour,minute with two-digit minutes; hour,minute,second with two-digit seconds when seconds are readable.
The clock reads 10,09
